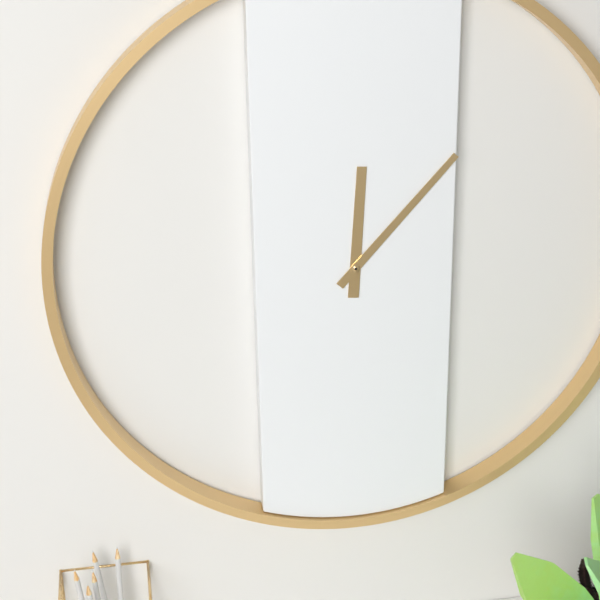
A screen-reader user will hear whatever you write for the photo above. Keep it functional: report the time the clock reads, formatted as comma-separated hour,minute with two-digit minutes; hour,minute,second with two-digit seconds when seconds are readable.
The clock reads 12,07
